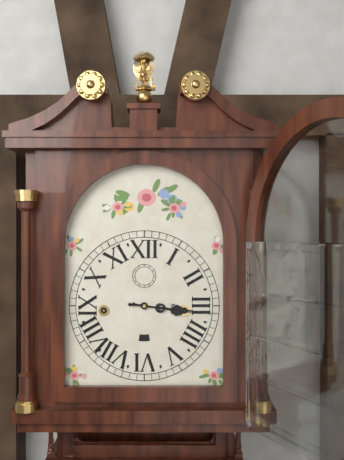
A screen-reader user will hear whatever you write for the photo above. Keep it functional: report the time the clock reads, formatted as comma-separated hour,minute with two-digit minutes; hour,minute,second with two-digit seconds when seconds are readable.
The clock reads 3,16
